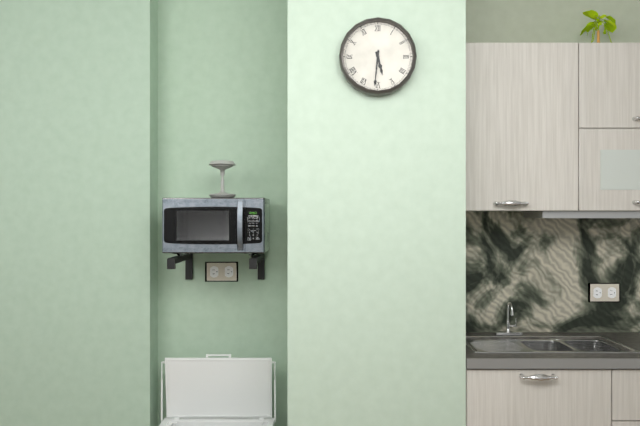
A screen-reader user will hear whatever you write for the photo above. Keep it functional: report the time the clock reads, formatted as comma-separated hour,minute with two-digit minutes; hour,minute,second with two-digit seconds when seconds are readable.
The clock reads 5,31
